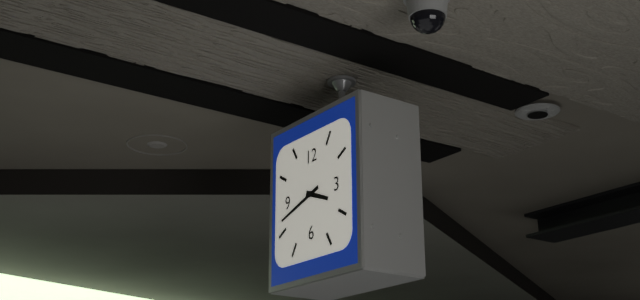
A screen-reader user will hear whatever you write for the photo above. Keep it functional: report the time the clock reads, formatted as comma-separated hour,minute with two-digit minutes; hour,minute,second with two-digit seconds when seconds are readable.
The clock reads 3,42
